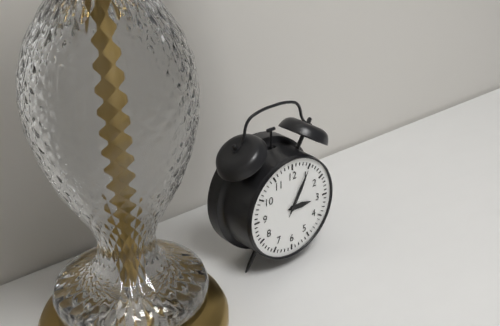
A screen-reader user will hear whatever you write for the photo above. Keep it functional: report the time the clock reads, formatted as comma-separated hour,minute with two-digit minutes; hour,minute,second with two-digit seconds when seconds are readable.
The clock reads 3,05
